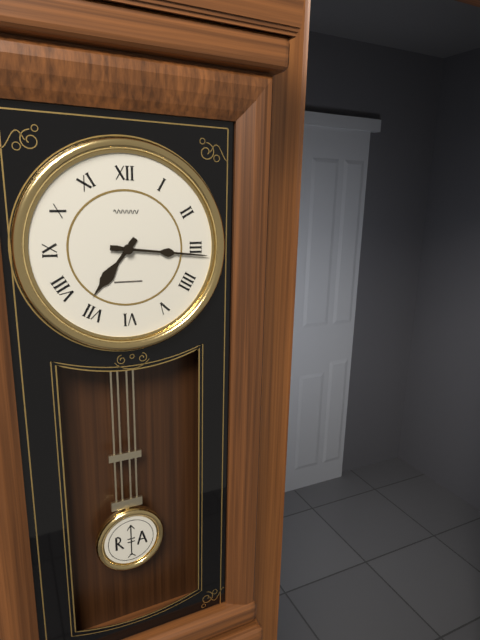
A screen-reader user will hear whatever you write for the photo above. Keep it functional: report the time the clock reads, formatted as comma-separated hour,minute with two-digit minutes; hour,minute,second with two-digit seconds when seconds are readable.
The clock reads 7,16
